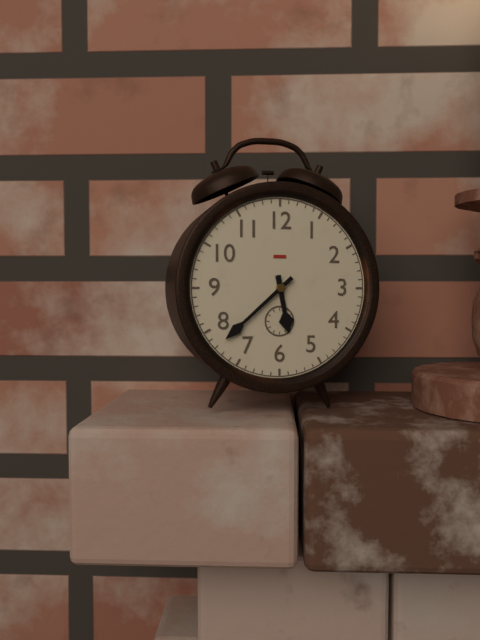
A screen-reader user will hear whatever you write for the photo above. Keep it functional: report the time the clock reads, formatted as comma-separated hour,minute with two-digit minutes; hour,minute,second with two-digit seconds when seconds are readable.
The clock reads 5,38
